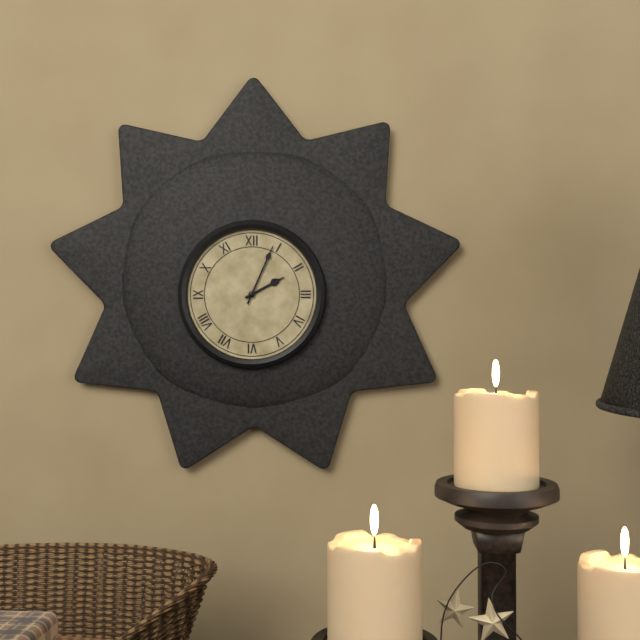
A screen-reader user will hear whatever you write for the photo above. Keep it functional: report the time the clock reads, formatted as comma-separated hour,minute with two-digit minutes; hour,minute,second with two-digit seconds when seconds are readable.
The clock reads 2,04
